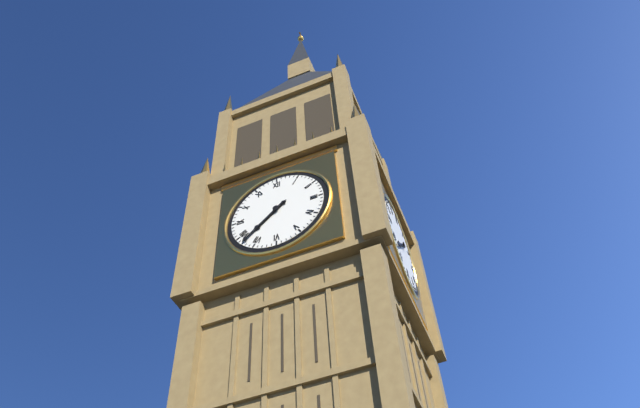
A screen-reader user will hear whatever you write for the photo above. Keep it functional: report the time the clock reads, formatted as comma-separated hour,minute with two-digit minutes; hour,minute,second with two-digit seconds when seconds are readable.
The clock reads 7,38
